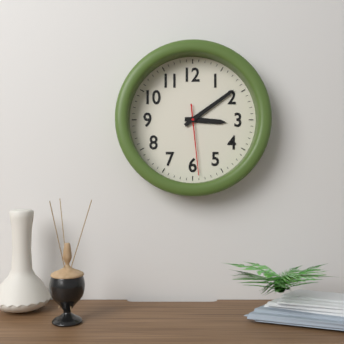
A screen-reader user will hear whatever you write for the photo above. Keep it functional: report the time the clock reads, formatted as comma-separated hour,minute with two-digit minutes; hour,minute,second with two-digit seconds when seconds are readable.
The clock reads 3,09,29
